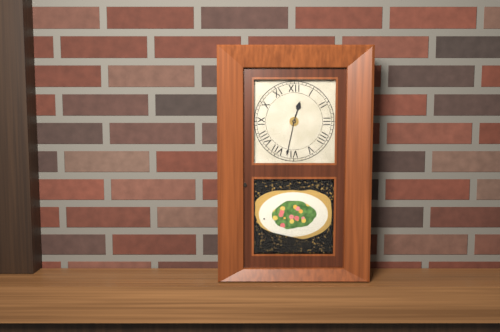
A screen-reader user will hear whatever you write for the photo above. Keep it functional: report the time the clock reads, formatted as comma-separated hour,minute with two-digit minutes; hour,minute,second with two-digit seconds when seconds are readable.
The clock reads 12,32
